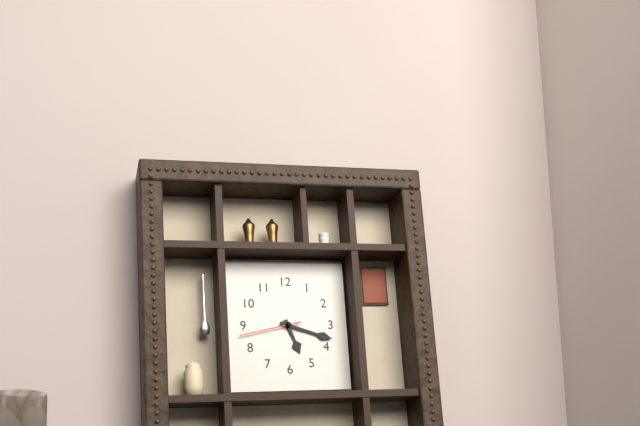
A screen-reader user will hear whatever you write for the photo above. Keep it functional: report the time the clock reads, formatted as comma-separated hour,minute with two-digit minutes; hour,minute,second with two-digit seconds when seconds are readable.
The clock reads 5,18,43
